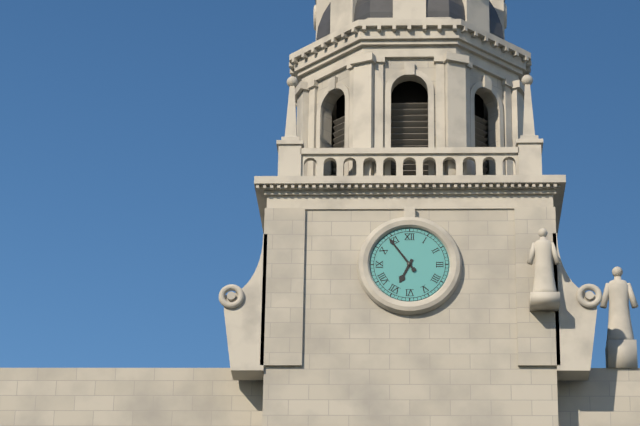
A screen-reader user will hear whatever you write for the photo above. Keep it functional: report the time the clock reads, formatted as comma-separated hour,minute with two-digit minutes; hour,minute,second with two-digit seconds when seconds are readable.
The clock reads 6,54
